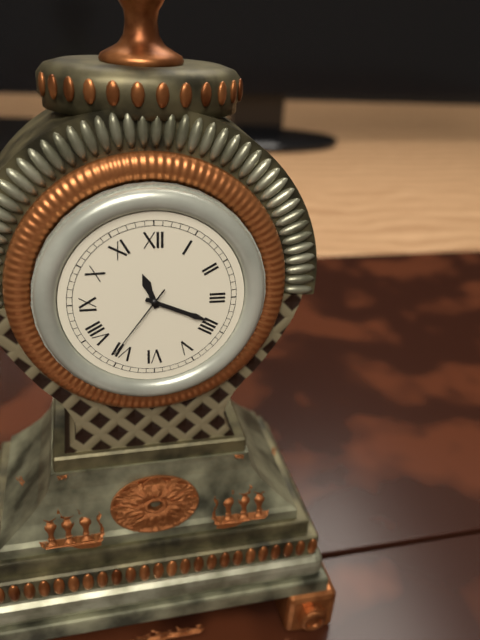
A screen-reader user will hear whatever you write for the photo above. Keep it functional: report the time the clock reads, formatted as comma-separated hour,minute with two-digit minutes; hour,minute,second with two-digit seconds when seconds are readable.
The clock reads 11,19,36
